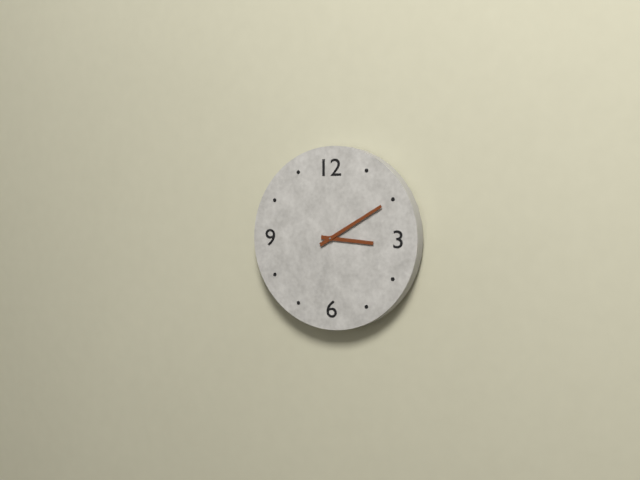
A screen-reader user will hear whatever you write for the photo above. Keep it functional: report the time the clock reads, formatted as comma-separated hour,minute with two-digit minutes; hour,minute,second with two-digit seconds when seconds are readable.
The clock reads 3,10
